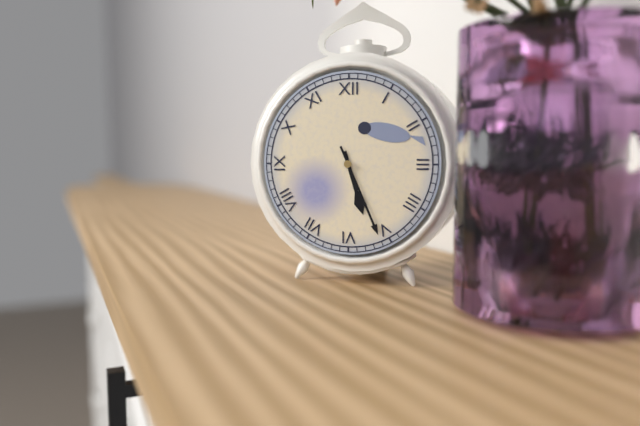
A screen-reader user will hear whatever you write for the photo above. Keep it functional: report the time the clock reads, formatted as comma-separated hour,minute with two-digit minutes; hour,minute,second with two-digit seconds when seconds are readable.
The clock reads 5,26
